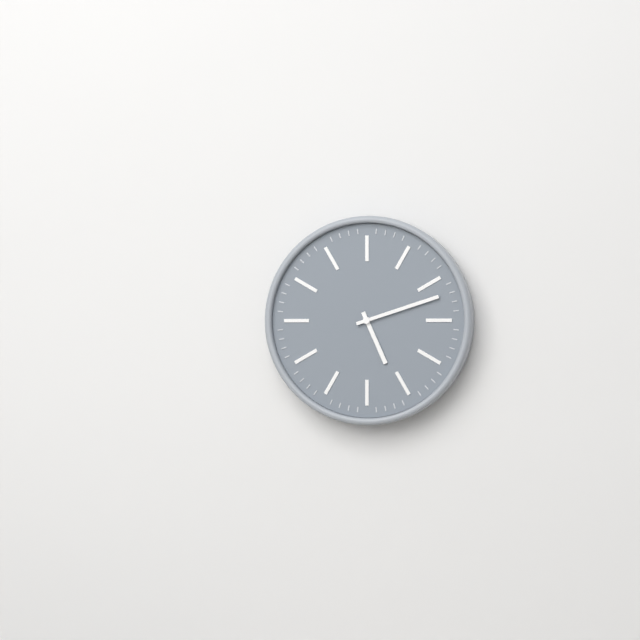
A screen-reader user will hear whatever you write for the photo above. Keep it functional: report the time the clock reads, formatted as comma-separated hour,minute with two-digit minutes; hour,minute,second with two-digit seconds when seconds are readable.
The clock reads 5,12
